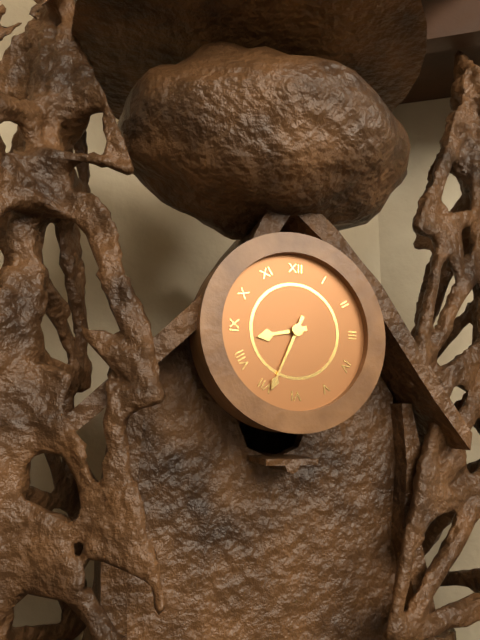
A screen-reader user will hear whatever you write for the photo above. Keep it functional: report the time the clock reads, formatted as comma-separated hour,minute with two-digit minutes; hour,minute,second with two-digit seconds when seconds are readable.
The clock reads 8,34
